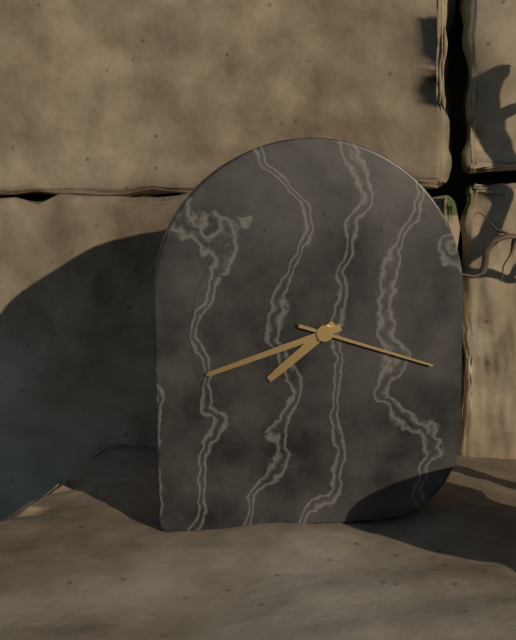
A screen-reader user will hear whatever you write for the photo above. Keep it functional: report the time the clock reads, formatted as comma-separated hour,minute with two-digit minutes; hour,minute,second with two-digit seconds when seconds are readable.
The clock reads 7,42,18
